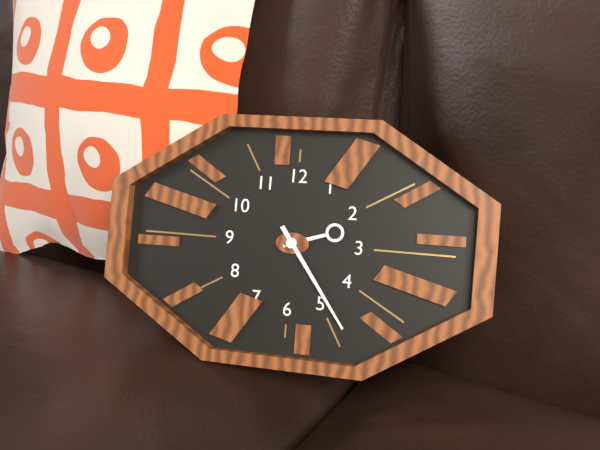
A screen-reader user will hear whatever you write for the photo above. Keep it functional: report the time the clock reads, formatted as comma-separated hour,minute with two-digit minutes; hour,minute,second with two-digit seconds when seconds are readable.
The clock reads 2,24
